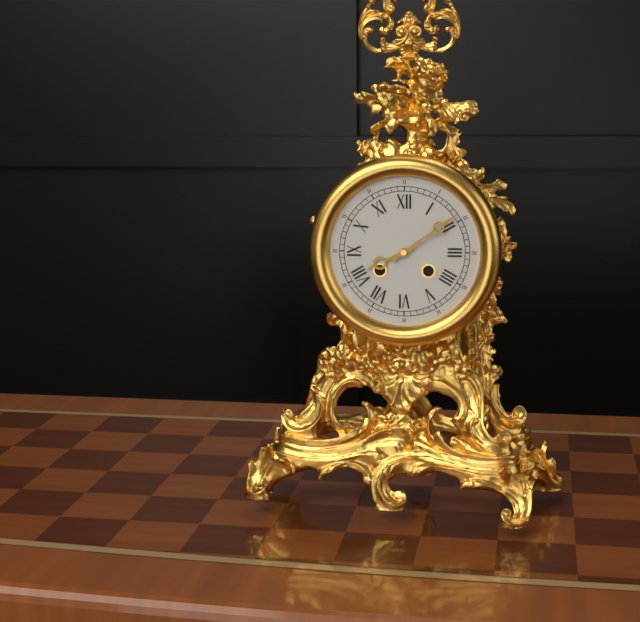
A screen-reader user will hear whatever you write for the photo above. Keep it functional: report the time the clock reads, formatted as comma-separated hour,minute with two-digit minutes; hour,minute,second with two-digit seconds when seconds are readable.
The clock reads 8,09
